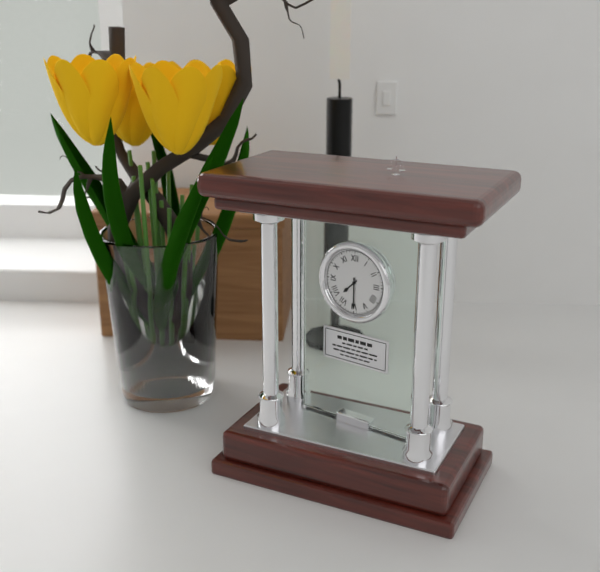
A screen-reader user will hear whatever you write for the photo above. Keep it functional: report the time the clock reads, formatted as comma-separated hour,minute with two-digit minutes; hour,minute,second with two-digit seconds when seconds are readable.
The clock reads 7,30
